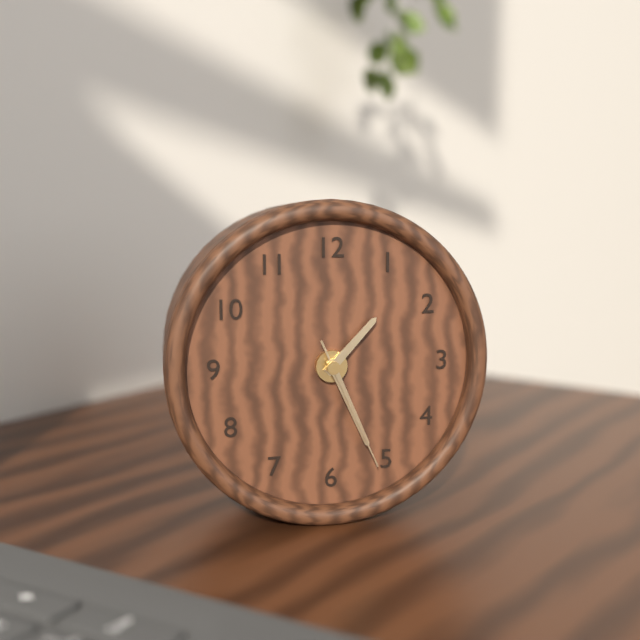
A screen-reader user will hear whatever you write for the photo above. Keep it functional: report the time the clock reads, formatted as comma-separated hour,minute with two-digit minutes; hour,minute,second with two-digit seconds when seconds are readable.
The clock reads 1,26,26
